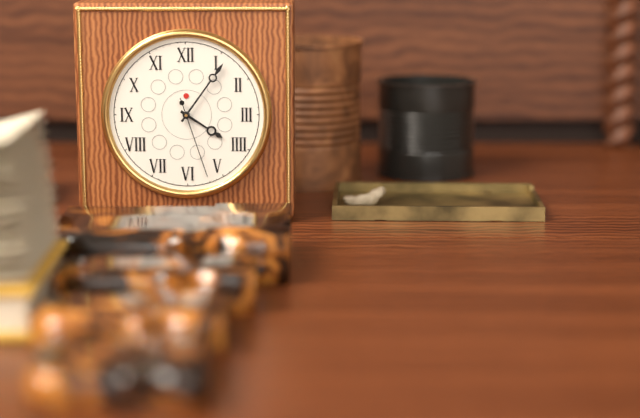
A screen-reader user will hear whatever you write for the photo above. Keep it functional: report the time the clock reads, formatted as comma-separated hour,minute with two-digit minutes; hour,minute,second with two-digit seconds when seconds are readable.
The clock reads 4,06,27
